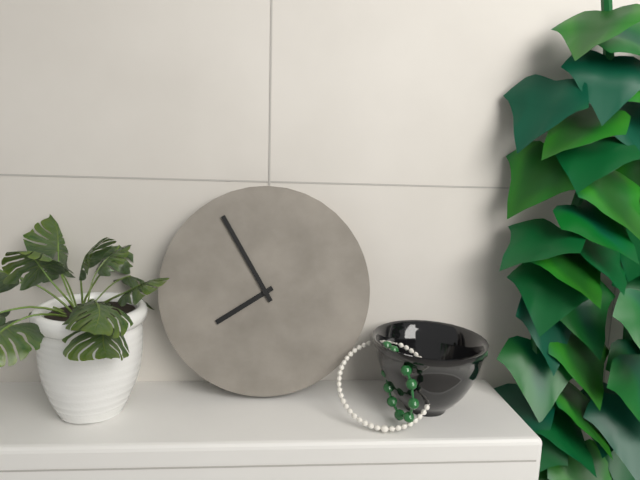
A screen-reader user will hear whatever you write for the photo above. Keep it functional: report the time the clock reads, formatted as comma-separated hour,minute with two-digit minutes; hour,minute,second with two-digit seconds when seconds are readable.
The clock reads 7,55
